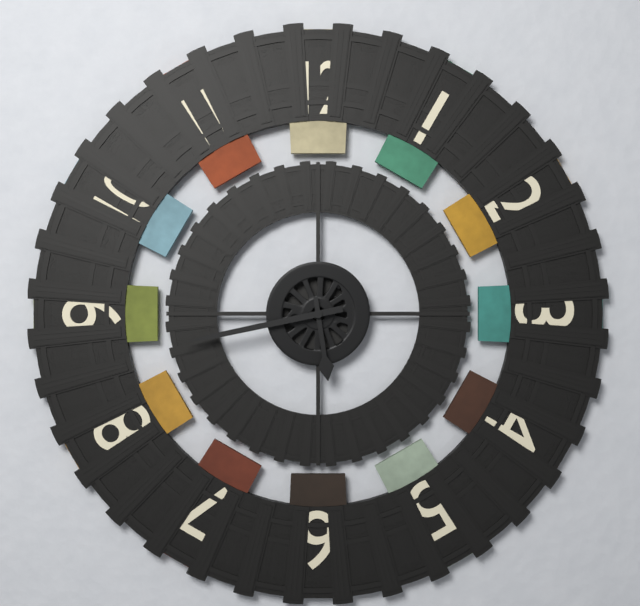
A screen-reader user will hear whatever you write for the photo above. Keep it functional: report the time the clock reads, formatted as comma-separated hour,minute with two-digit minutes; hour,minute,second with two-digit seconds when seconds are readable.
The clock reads 5,43
